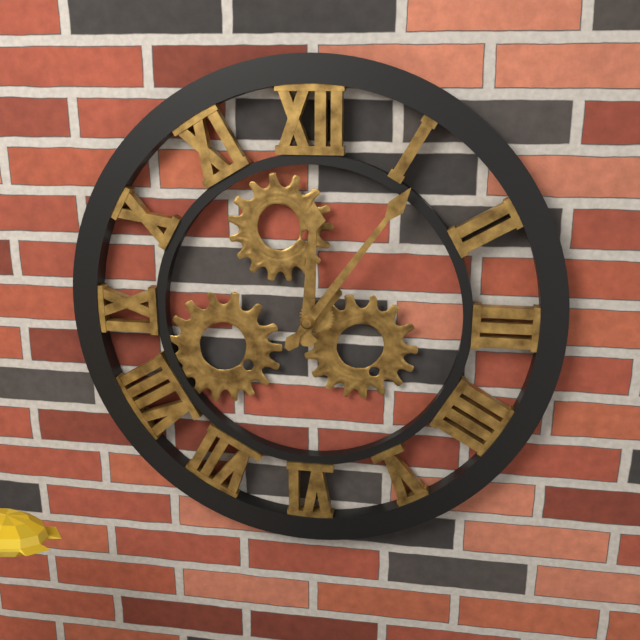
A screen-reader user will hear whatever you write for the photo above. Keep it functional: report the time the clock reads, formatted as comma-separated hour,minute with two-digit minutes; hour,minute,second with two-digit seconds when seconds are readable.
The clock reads 12,06
